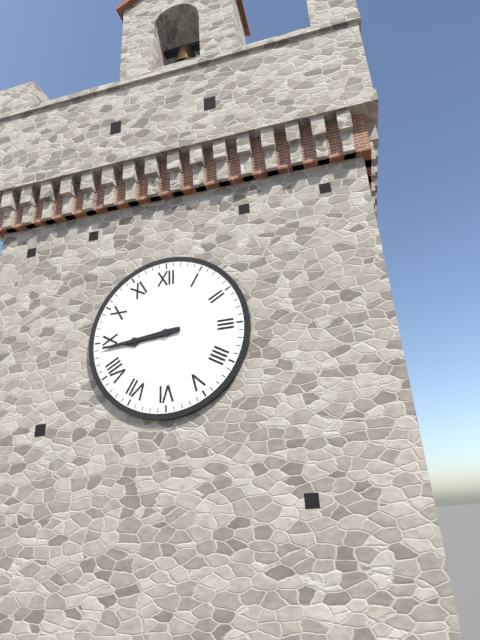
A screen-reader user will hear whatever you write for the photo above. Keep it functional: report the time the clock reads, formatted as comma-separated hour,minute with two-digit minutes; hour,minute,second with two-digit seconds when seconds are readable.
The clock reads 8,44
